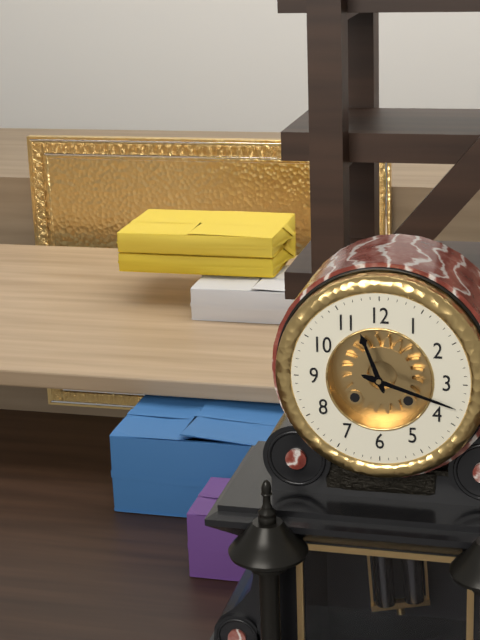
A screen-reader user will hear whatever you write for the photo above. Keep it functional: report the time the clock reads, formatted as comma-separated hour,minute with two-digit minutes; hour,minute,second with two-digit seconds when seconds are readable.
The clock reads 11,18
